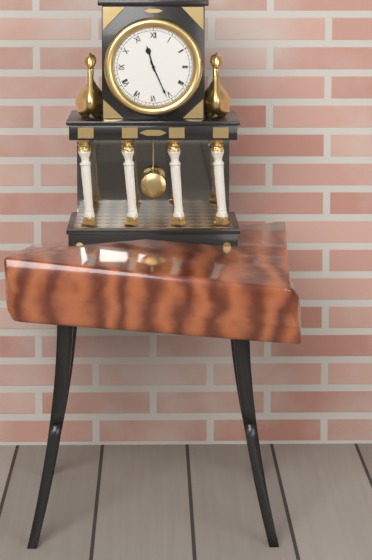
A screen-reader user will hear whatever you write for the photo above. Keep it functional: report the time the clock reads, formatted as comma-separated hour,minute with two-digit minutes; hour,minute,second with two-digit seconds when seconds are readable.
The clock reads 11,26
